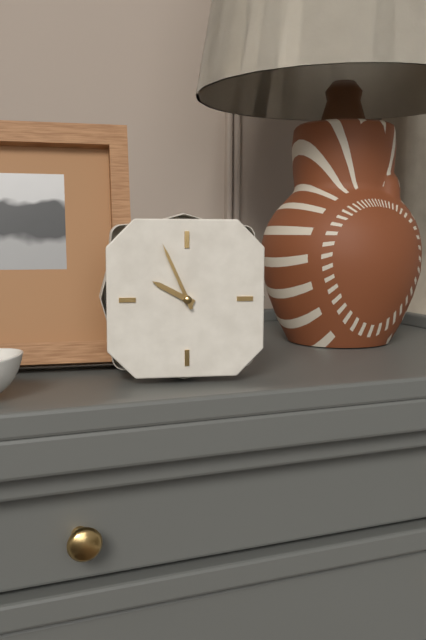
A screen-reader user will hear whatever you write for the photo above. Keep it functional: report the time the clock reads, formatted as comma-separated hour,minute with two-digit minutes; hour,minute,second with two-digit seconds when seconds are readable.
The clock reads 9,56
